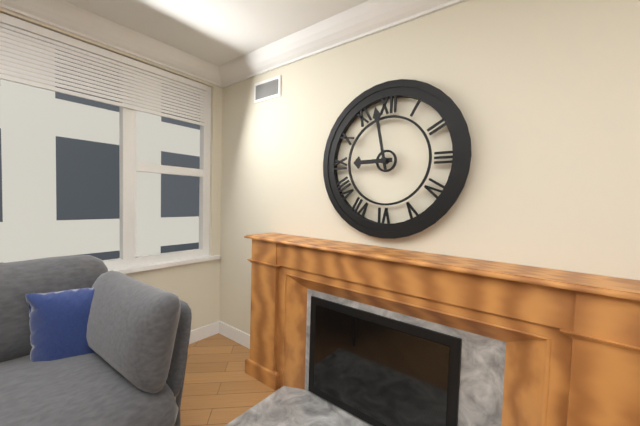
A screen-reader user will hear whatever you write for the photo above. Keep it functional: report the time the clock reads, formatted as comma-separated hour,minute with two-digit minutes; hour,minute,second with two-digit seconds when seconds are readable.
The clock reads 8,58
